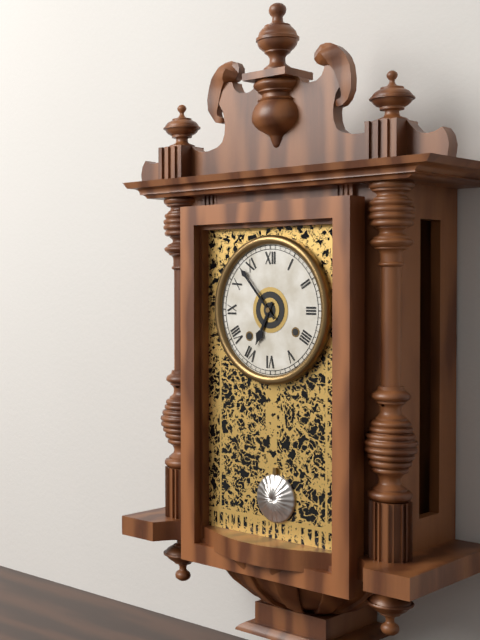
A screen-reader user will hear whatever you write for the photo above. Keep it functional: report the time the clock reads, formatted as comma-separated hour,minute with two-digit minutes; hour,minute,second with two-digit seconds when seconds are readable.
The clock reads 6,53
